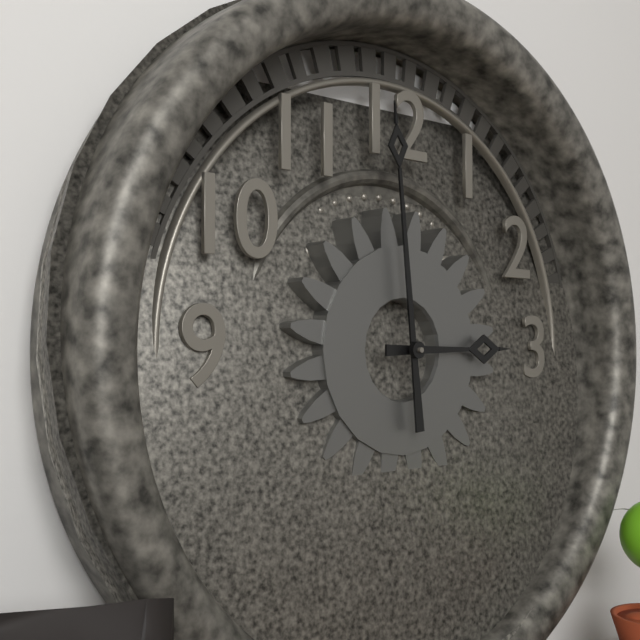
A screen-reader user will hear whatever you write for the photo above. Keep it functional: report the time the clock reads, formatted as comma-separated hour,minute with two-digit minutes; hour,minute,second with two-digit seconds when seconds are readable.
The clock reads 2,59
